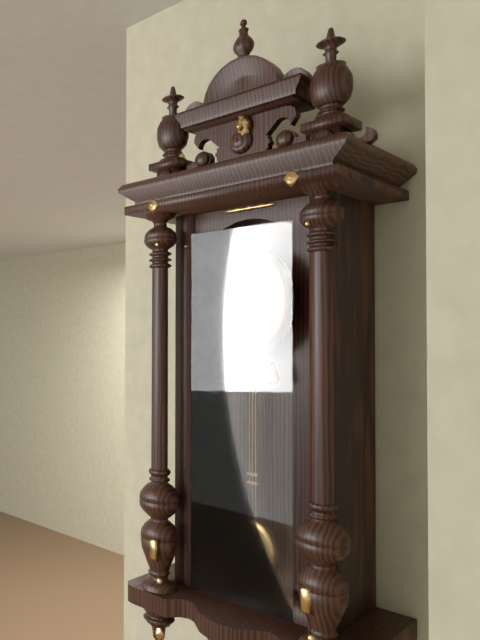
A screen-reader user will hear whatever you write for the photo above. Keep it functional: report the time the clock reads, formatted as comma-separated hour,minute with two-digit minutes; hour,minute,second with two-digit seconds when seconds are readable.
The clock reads 7,35
